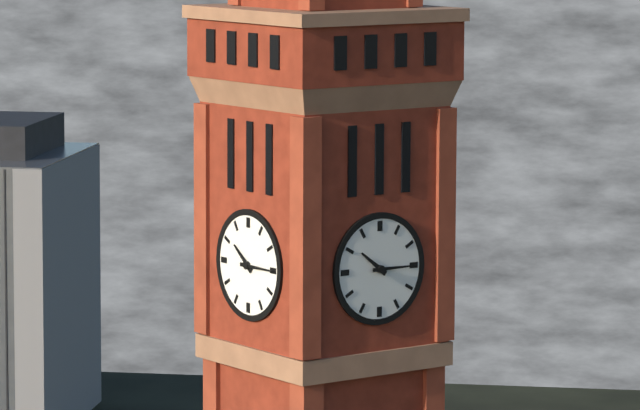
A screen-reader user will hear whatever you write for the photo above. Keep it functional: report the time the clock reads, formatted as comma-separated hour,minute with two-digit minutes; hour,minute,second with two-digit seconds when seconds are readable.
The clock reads 10,15
